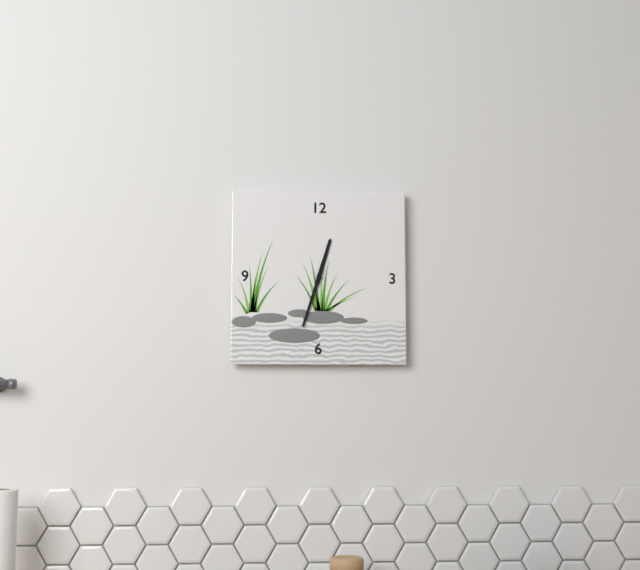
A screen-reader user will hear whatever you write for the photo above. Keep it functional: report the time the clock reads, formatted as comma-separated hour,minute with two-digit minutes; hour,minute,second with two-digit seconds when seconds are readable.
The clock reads 12,33
